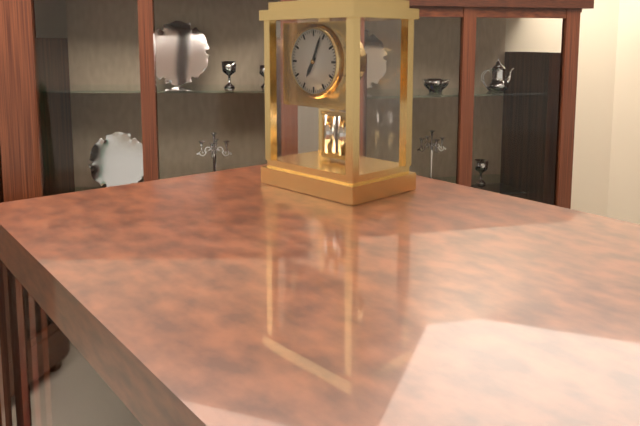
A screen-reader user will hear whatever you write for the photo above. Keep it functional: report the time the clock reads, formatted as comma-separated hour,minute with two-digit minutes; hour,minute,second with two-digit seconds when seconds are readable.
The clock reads 7,04
